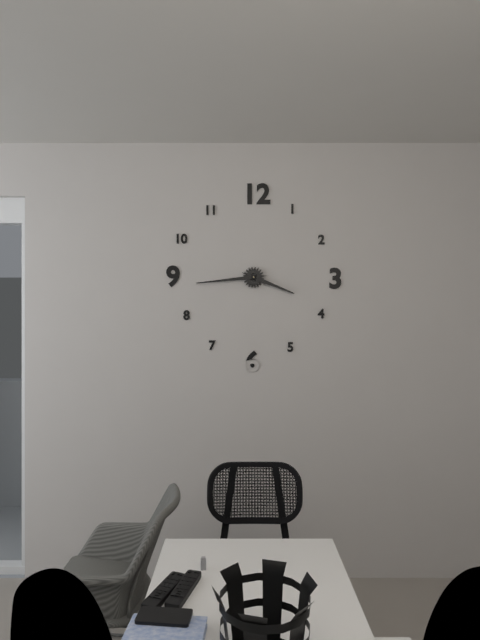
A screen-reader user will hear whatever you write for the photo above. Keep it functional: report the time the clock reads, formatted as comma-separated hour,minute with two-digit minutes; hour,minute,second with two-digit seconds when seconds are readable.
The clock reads 3,44
